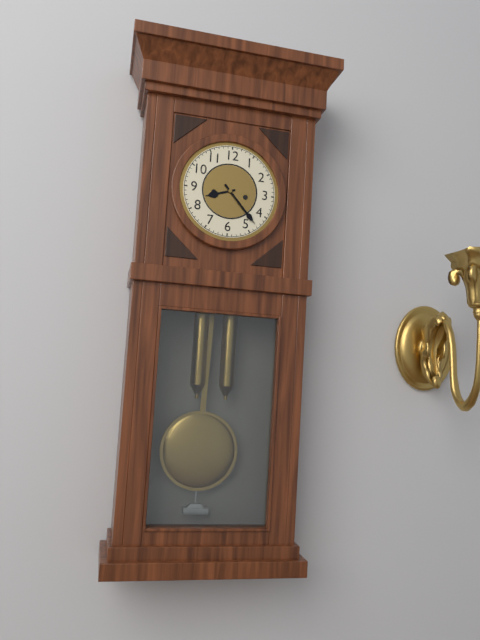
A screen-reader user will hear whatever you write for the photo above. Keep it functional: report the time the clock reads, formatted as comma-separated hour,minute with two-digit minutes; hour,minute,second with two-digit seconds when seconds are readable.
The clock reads 8,23
